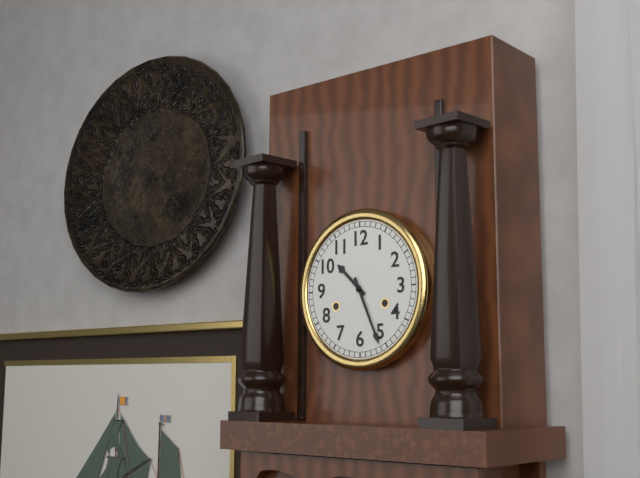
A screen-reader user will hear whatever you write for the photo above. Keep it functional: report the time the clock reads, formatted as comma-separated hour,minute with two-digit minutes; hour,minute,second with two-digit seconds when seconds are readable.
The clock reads 10,26
